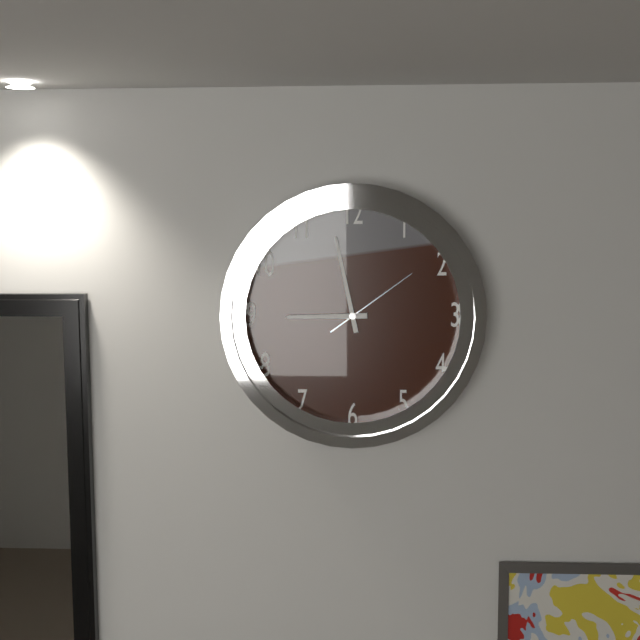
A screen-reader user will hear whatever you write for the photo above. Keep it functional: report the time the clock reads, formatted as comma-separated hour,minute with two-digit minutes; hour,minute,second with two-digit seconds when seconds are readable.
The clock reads 8,58,09
